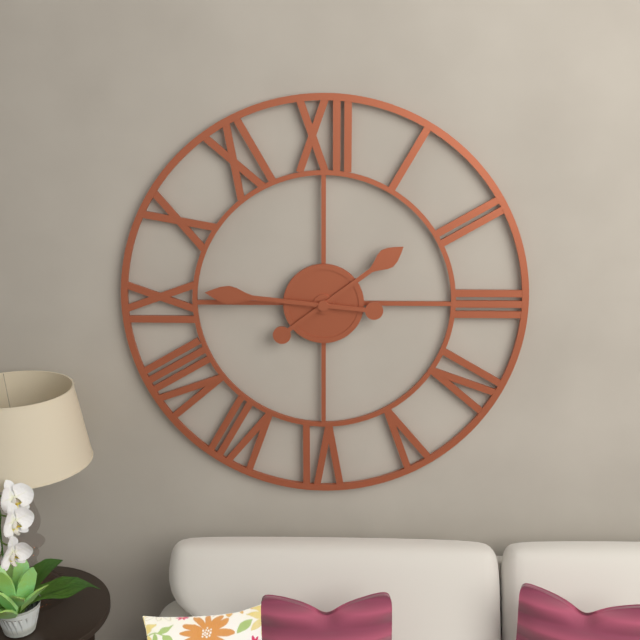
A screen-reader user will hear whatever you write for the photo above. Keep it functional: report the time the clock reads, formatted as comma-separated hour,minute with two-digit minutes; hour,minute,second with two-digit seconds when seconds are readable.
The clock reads 1,46
